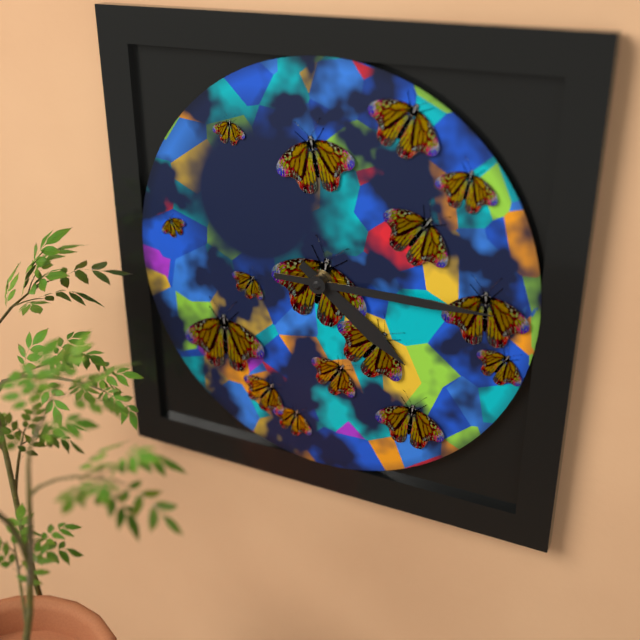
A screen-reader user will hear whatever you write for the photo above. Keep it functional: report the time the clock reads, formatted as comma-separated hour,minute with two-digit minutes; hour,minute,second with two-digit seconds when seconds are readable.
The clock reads 4,15
